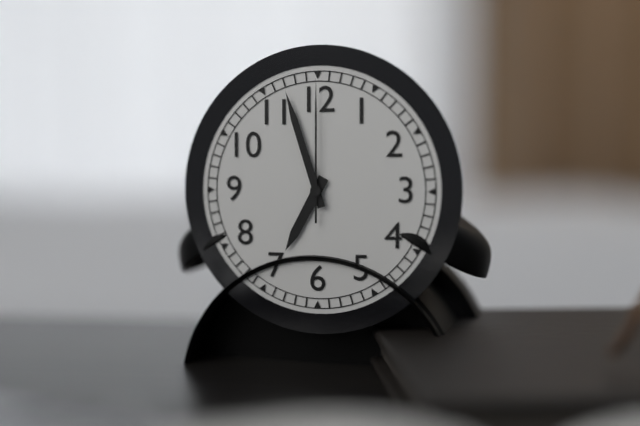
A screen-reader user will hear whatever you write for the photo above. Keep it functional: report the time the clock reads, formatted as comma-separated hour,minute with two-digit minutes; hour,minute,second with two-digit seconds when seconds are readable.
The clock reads 6,57,00
